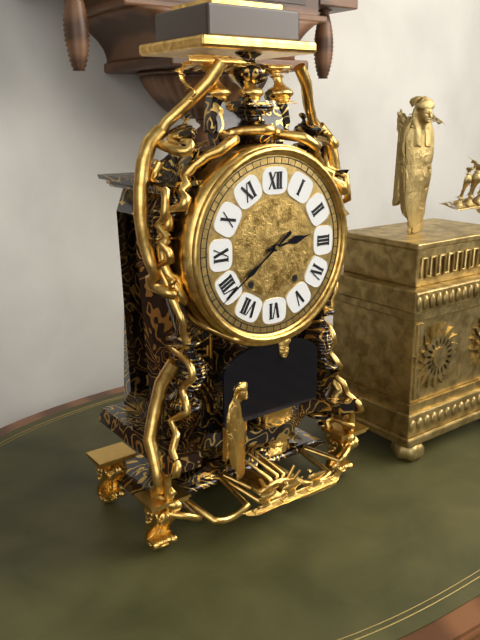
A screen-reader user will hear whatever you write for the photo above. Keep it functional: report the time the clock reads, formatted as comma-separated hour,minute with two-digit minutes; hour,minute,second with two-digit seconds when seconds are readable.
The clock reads 2,39
